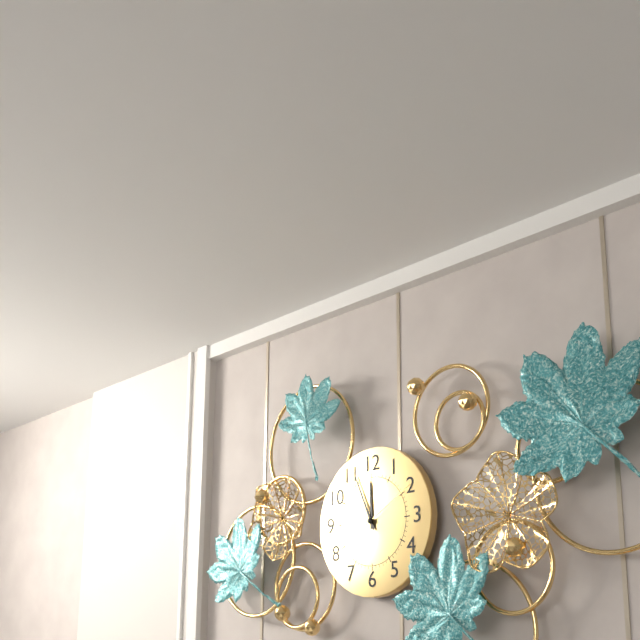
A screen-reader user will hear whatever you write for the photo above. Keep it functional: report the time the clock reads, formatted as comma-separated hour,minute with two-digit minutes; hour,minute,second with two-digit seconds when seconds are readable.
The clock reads 11,56,10
